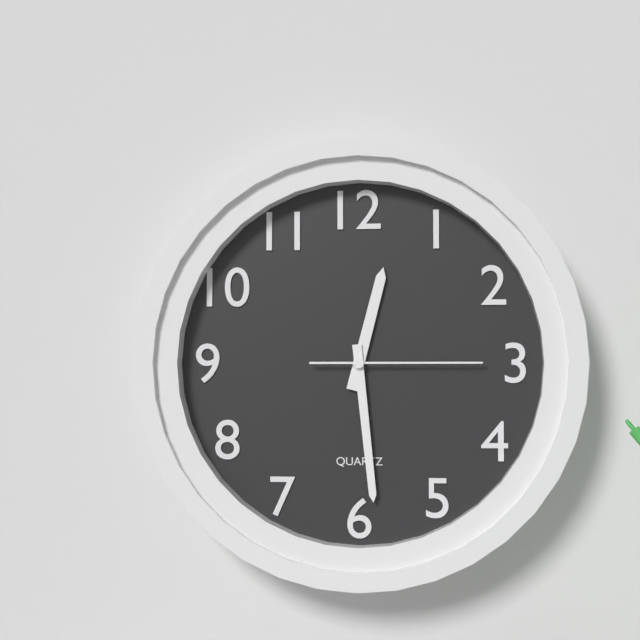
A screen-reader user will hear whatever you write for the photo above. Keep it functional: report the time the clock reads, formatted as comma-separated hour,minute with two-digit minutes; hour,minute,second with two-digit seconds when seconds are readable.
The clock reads 12,29,15
